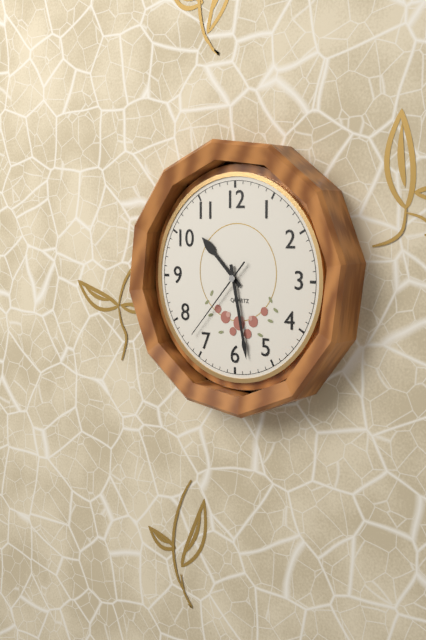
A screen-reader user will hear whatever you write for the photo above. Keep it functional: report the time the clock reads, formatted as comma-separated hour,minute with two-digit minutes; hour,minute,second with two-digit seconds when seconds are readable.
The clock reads 10,28,37
